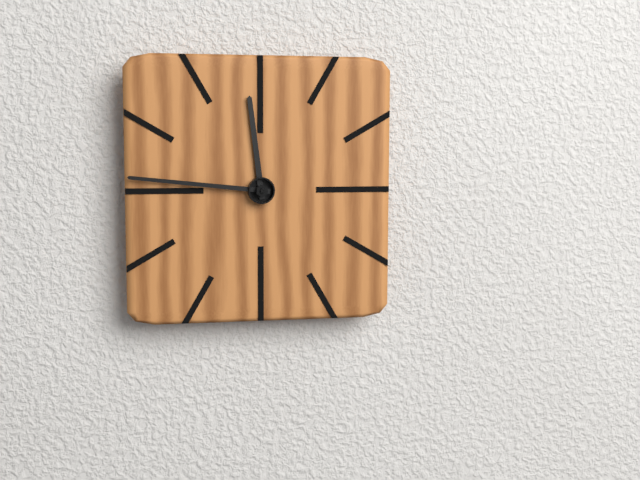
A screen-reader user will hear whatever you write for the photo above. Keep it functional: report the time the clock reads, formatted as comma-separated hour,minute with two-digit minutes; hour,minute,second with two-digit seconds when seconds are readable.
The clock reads 11,46
